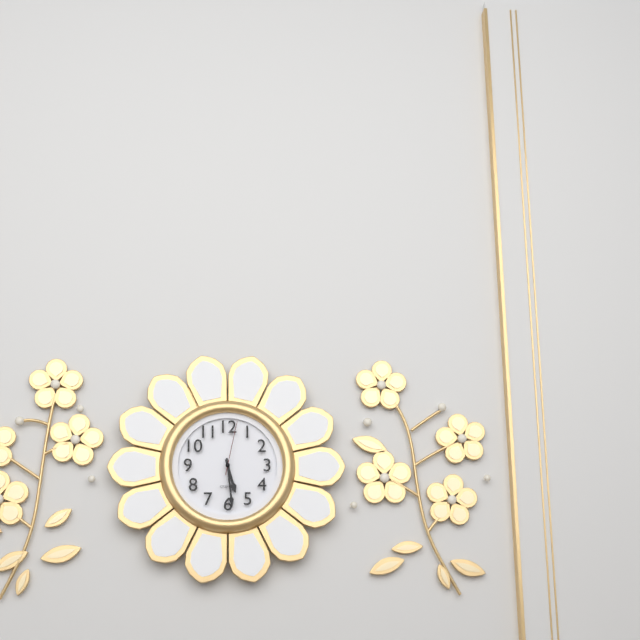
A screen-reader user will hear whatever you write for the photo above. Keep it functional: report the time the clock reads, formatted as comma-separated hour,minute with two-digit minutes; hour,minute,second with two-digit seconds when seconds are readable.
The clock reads 5,29,02
